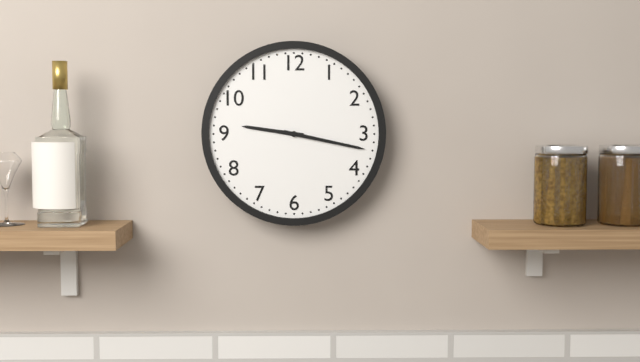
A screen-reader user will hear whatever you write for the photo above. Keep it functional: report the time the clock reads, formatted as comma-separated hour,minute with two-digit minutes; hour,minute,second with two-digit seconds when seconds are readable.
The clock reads 9,17
